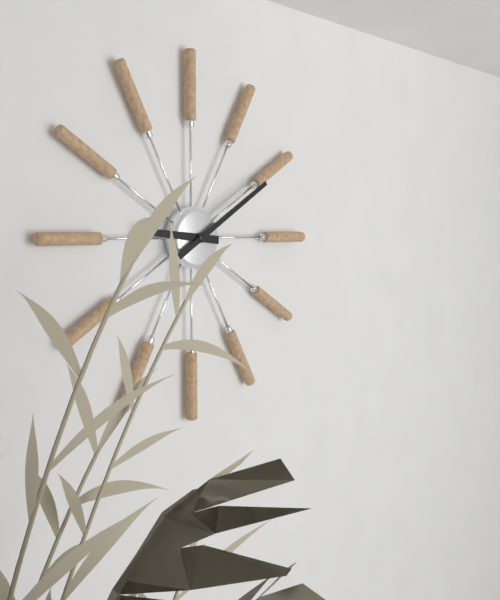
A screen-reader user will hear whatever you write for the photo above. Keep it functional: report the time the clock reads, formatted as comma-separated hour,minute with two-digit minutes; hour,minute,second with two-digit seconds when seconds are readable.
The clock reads 9,10
